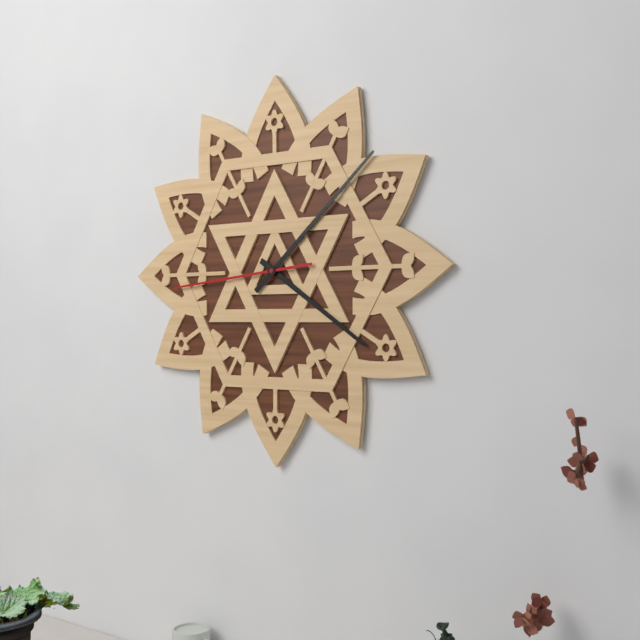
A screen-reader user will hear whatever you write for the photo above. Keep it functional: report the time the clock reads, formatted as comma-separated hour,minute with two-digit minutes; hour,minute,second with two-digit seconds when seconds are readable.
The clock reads 4,08,44
